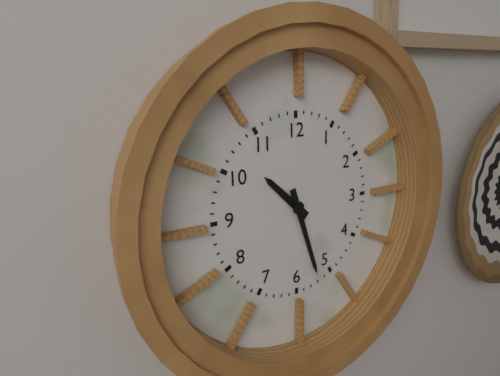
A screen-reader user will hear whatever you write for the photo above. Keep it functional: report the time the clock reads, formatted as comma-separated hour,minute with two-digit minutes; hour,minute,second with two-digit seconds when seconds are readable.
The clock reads 10,27
